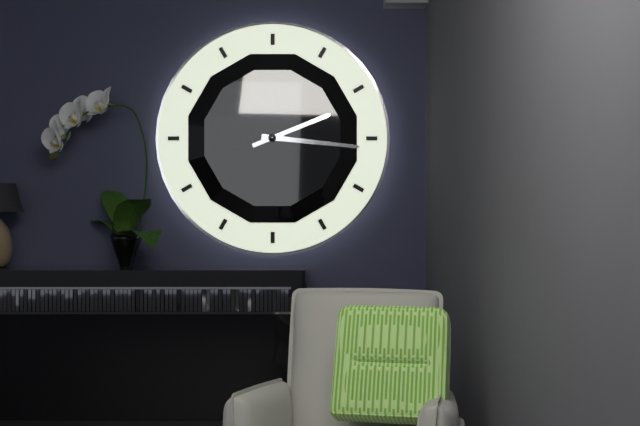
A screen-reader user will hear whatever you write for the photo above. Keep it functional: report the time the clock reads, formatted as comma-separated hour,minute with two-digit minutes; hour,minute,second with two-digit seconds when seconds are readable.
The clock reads 2,16
